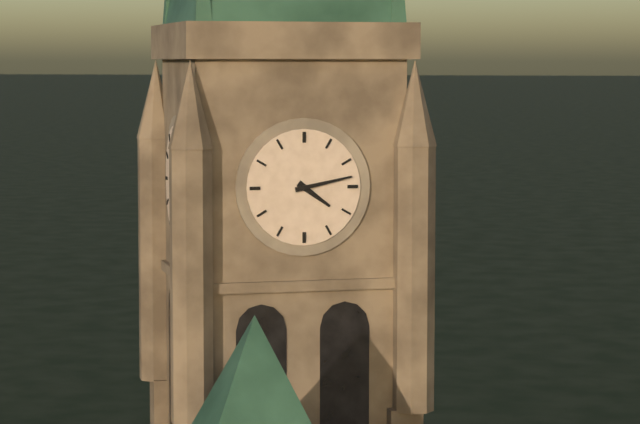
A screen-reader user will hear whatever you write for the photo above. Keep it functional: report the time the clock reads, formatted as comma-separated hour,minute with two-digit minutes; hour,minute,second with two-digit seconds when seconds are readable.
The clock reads 4,13
